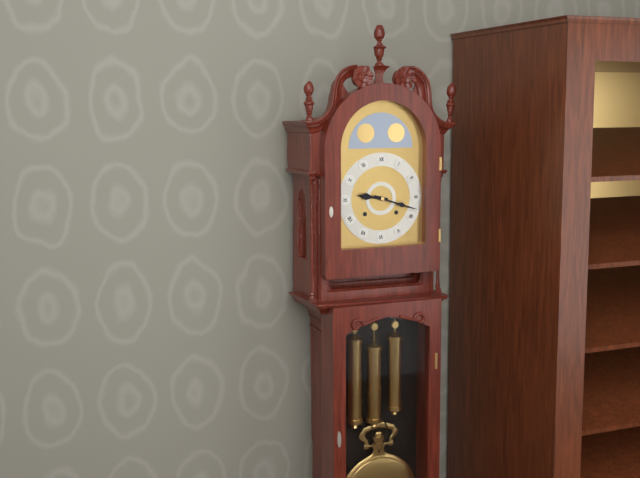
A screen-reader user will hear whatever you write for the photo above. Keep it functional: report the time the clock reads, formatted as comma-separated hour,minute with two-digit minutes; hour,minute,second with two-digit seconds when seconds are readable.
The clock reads 9,18
